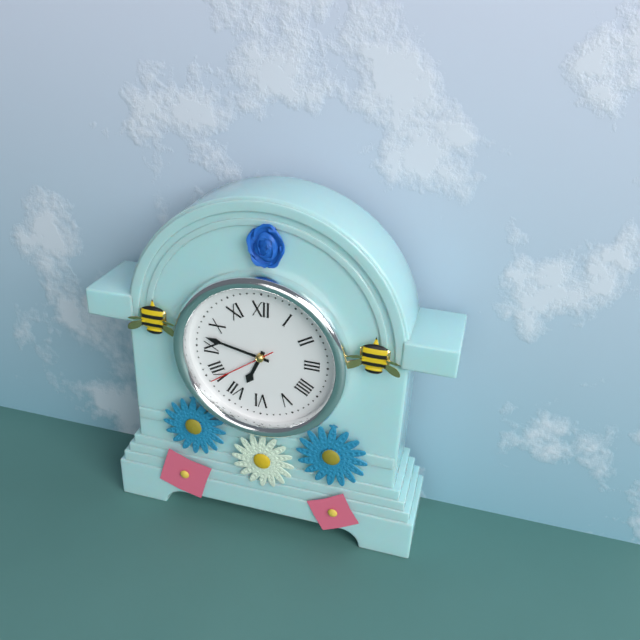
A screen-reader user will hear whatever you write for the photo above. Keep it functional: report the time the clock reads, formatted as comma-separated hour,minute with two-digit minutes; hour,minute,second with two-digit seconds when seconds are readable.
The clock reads 6,47,39
